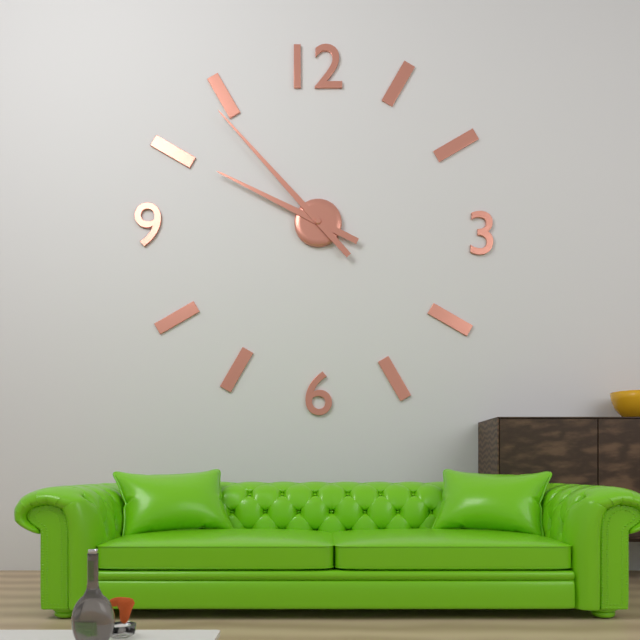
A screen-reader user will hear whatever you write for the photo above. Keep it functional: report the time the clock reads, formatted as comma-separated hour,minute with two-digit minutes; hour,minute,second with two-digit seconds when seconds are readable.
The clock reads 9,53
